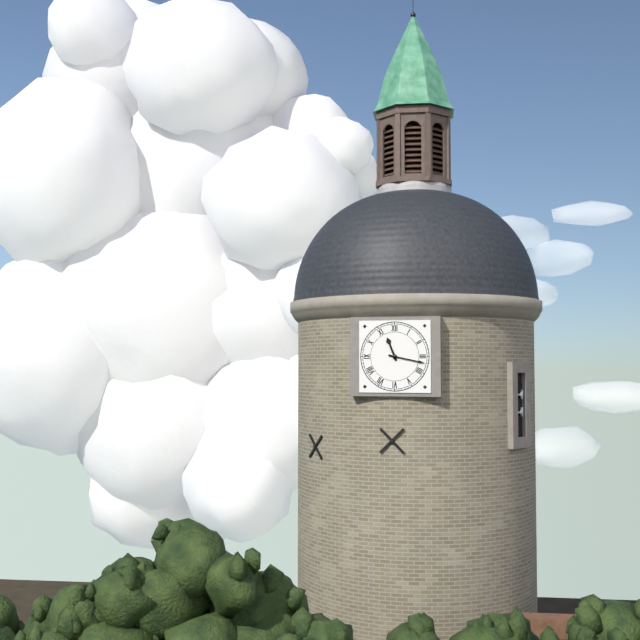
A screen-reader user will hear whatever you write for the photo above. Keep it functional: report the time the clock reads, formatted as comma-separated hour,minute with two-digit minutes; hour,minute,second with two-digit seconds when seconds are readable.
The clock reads 11,17
